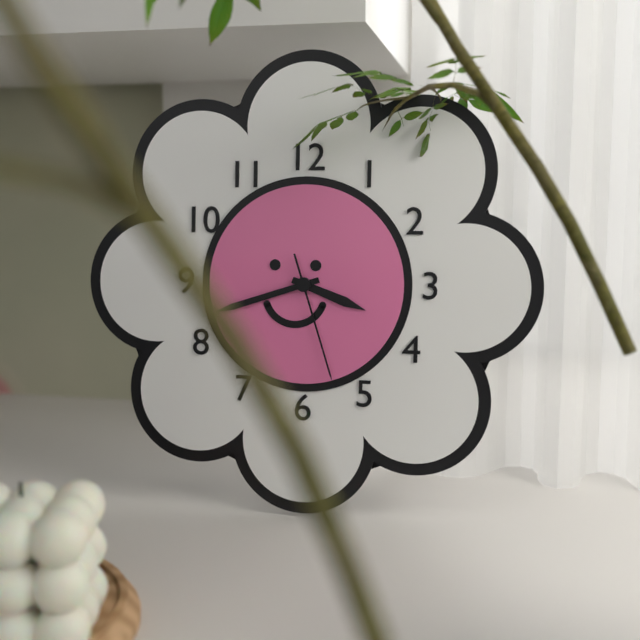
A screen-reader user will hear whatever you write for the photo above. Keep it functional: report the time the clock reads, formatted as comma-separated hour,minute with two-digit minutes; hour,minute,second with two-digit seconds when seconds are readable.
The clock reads 3,42,27
